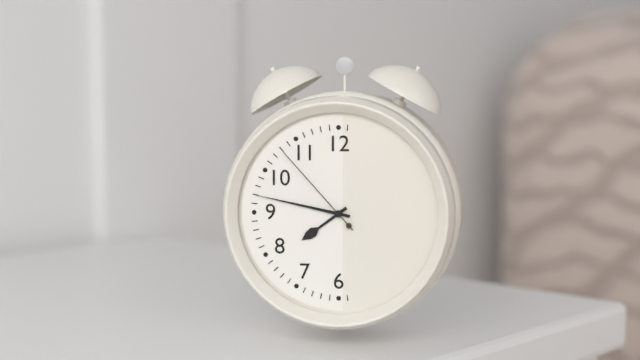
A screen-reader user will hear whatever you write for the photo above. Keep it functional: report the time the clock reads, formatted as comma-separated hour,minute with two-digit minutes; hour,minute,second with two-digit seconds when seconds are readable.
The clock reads 7,47,53
